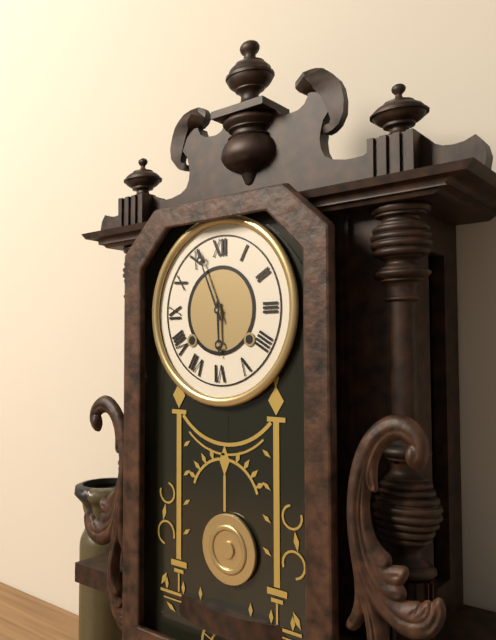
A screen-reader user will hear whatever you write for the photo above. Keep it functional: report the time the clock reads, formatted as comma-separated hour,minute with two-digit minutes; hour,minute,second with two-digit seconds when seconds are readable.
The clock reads 5,56
